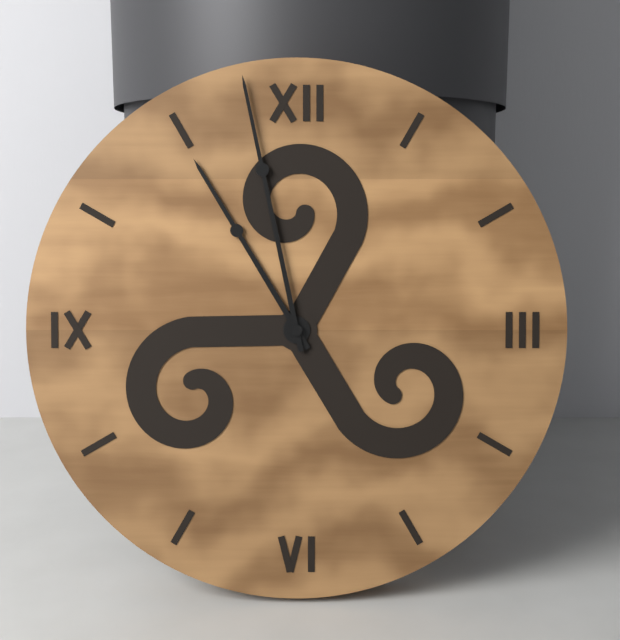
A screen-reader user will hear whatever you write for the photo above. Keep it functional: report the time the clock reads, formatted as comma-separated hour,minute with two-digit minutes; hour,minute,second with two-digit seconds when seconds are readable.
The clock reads 10,58
